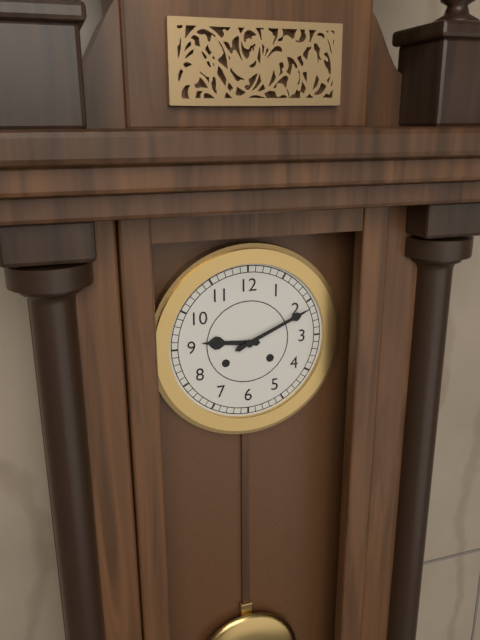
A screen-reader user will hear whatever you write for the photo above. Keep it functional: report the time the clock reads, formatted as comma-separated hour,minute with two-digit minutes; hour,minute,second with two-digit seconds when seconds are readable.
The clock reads 9,11
